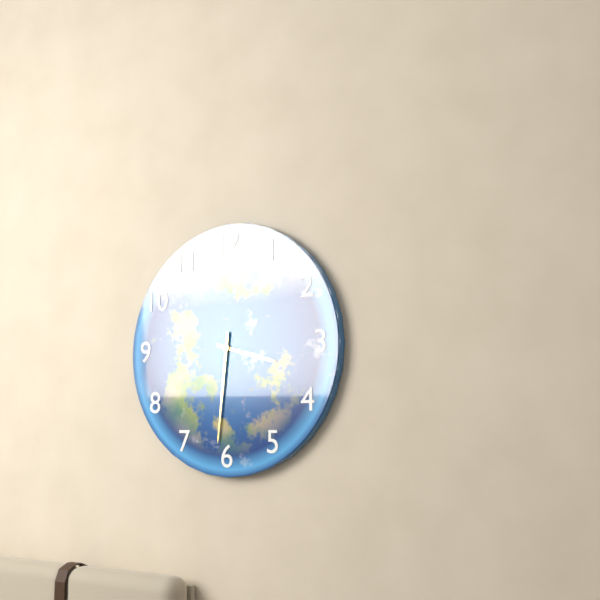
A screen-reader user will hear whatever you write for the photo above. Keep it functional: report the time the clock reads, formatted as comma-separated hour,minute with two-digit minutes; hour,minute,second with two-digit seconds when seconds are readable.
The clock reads 3,31
